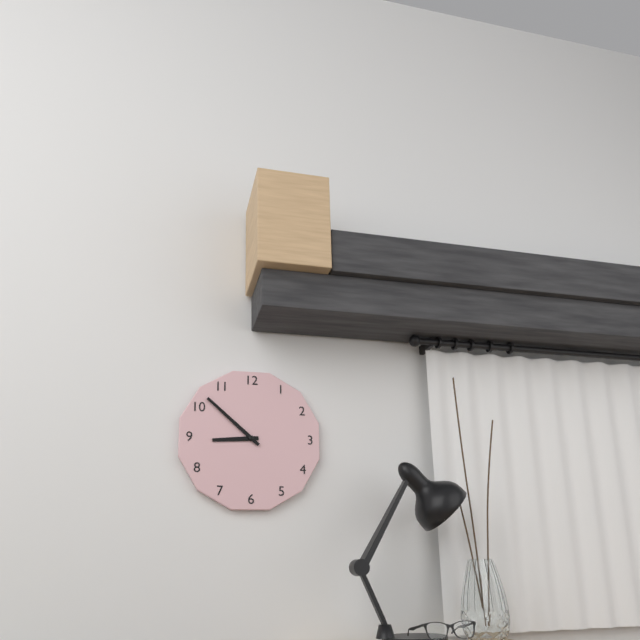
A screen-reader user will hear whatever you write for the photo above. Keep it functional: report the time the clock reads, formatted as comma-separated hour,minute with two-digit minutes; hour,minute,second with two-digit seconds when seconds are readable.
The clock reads 8,52
